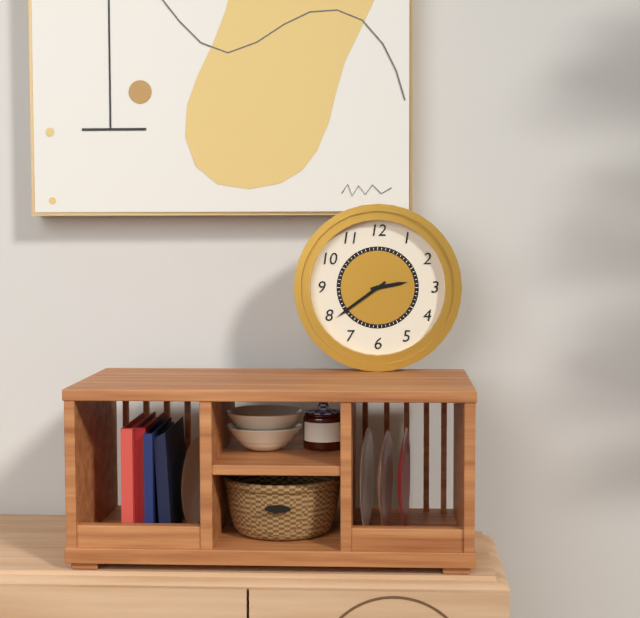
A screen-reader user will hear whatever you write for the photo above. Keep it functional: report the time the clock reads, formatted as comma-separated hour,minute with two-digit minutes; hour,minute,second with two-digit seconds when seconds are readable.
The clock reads 2,39
